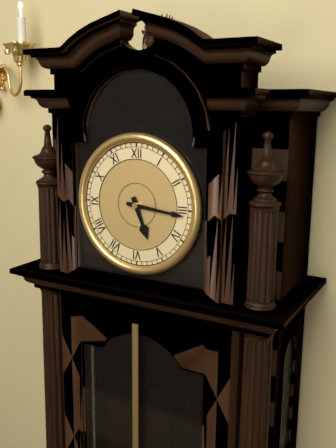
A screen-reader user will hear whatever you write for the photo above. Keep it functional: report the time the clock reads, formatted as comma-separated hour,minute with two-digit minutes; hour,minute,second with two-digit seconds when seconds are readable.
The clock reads 5,16
